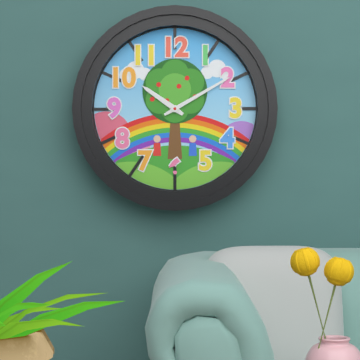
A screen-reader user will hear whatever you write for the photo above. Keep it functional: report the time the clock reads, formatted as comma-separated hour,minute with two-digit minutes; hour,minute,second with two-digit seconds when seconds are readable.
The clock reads 10,10
